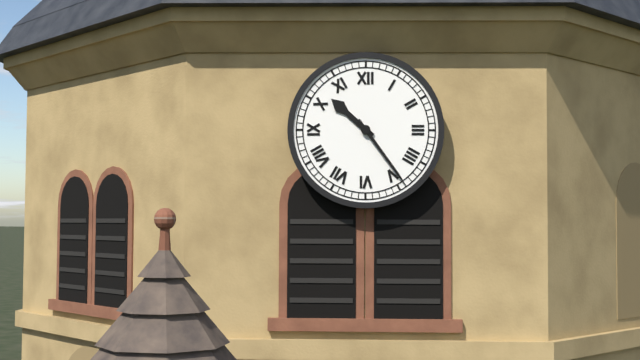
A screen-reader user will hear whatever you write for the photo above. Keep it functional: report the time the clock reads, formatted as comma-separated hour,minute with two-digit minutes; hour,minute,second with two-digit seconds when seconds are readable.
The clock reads 10,24
